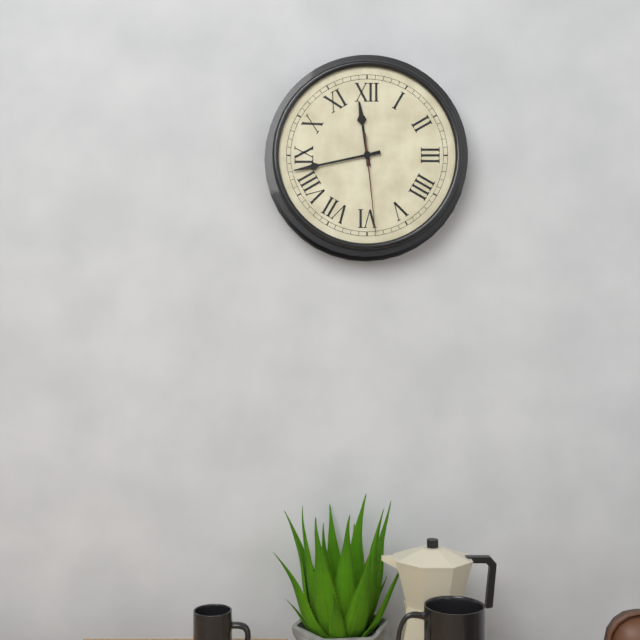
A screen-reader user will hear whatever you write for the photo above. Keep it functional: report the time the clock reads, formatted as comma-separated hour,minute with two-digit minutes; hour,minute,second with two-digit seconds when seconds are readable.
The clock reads 11,43,29
